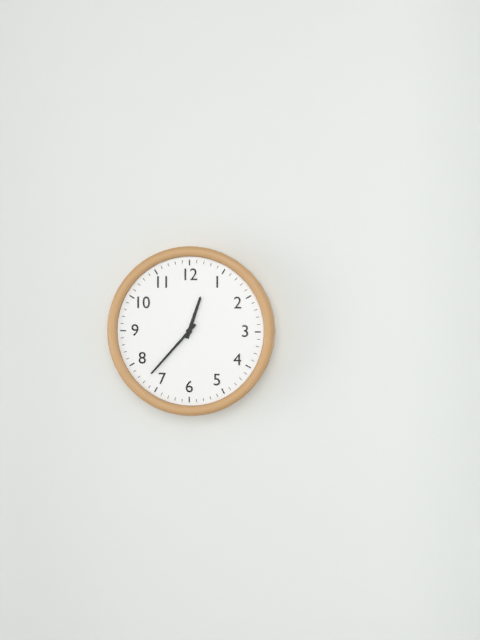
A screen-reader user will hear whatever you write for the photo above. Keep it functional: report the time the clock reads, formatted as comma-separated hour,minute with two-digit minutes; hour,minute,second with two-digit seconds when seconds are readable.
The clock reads 12,37
